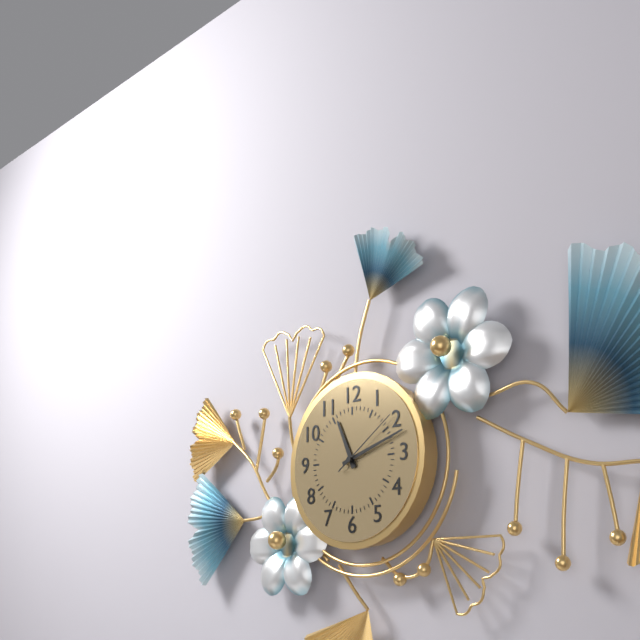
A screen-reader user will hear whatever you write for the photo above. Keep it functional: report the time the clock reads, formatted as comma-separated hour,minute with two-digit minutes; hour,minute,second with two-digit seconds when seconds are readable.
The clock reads 11,12,09
